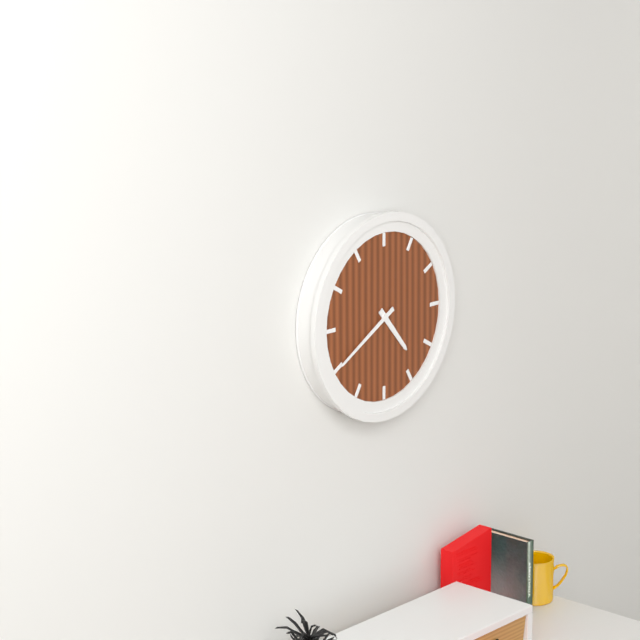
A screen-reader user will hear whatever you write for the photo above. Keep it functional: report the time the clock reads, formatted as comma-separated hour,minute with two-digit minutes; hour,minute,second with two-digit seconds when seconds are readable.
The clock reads 4,40
